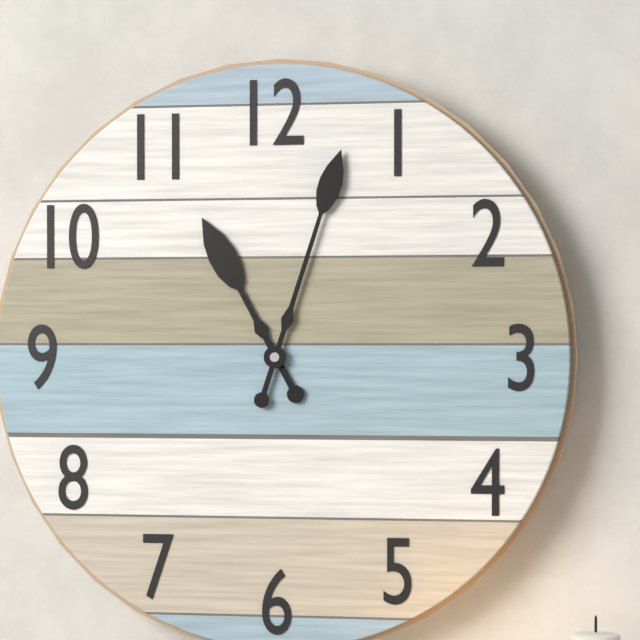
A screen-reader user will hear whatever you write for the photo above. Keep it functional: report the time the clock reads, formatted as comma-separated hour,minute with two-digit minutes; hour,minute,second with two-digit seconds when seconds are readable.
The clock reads 11,03
